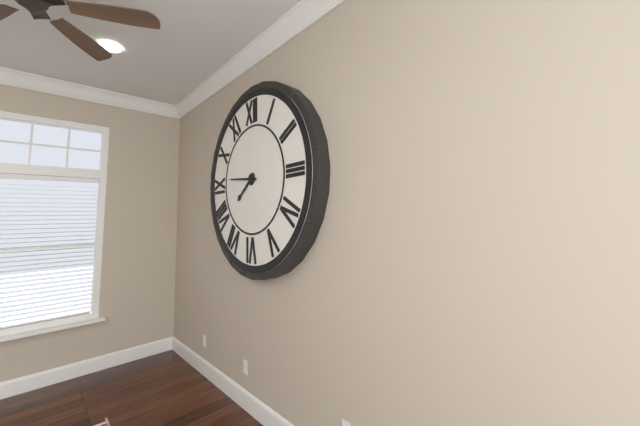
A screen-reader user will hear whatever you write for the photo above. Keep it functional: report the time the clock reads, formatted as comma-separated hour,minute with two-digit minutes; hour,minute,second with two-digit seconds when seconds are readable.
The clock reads 7,46
